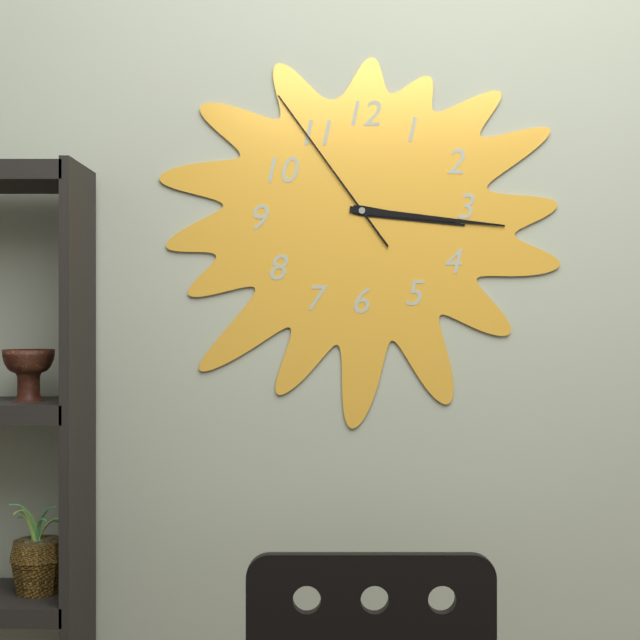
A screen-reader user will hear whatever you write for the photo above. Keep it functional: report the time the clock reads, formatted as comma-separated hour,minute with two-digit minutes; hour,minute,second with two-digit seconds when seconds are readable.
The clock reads 3,16,54
